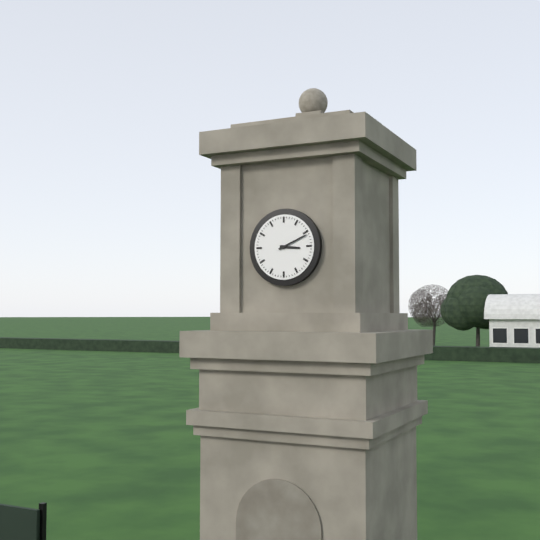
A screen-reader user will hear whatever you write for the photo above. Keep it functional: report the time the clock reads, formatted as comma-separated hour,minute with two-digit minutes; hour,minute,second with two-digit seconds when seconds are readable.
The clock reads 3,11
